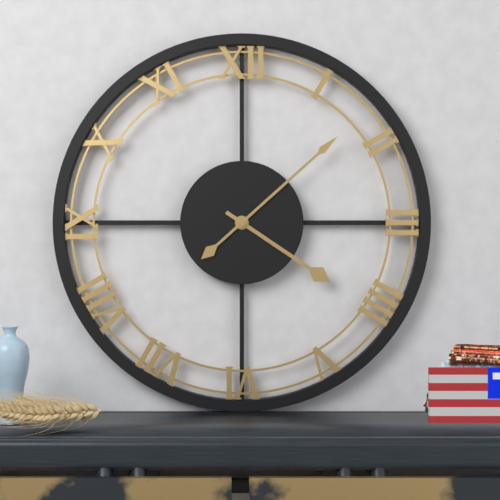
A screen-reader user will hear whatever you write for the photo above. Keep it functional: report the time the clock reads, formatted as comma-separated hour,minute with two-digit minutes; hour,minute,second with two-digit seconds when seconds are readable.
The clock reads 4,08
